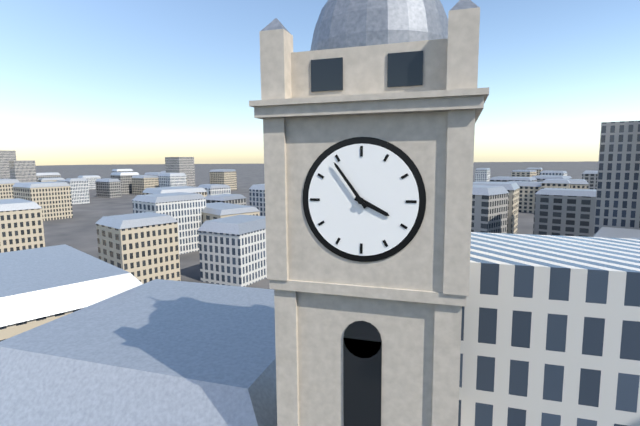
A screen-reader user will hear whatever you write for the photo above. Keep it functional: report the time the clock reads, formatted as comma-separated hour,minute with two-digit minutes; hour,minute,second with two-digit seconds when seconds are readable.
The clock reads 3,54
